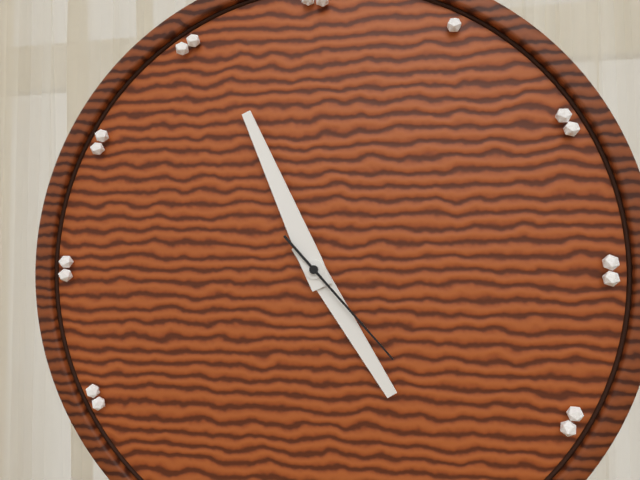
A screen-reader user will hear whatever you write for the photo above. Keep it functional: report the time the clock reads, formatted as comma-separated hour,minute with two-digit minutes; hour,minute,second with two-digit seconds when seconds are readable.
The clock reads 4,56,23
